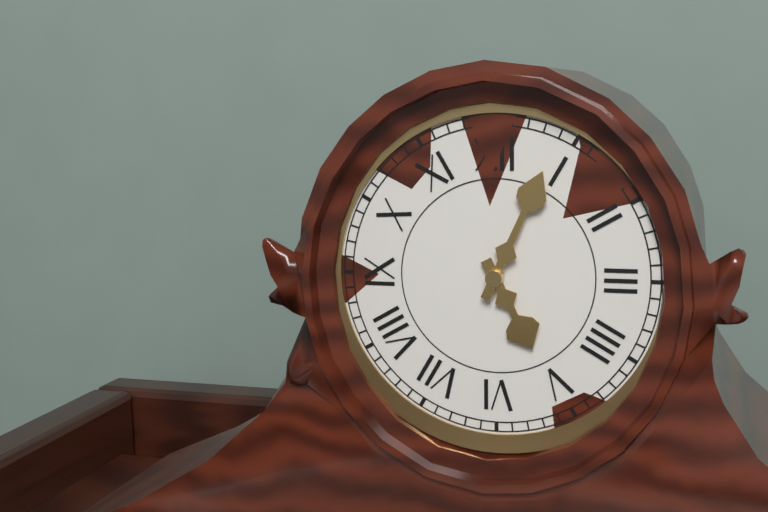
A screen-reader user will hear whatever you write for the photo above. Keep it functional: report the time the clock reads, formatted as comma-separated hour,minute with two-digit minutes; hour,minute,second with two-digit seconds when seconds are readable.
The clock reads 5,04
